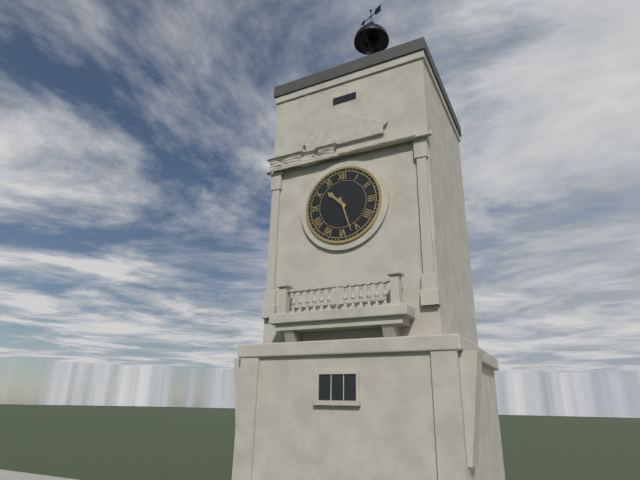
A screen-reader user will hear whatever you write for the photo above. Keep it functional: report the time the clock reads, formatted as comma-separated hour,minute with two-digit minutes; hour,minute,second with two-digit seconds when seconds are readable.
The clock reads 10,27
